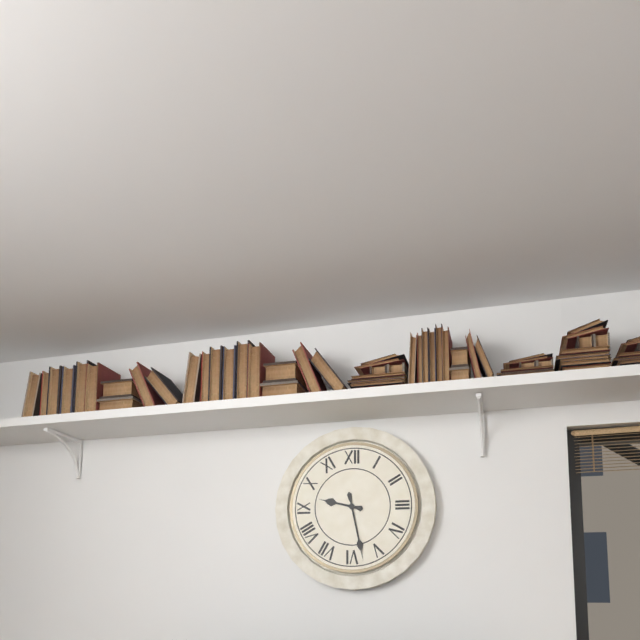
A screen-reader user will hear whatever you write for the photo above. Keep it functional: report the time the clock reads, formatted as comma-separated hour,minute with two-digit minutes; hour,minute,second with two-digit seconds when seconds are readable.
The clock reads 9,28
